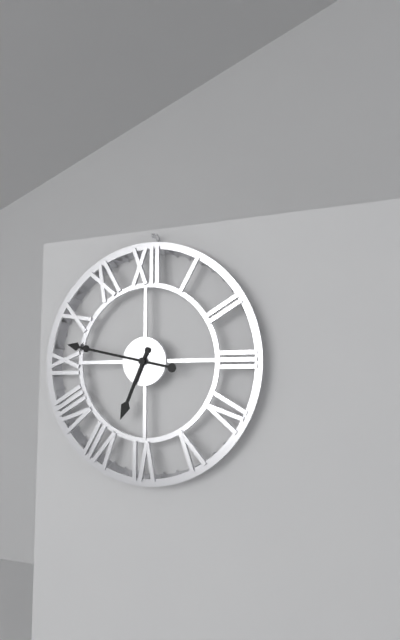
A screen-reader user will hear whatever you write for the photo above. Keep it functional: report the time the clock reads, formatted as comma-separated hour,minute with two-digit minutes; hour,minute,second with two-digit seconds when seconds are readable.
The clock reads 6,47
